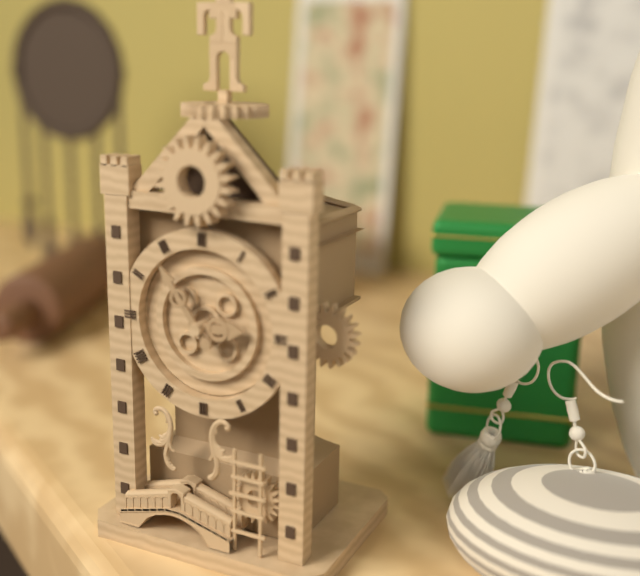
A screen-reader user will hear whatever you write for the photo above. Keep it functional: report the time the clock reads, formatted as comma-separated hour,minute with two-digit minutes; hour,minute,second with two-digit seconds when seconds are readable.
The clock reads 2,54
